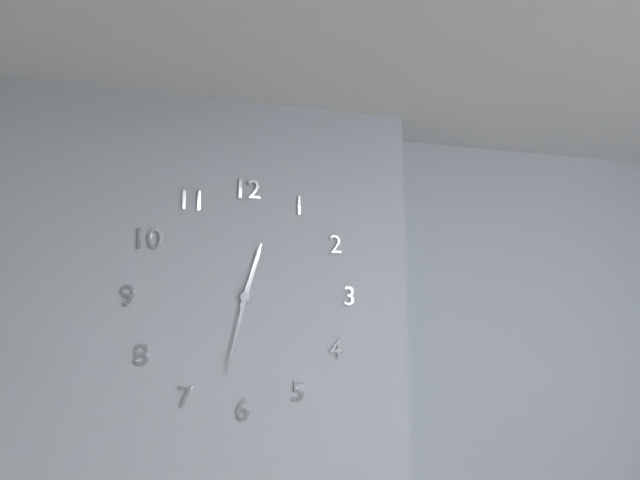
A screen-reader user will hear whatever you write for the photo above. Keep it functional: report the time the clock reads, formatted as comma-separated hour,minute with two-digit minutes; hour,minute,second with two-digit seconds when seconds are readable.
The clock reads 12,32
